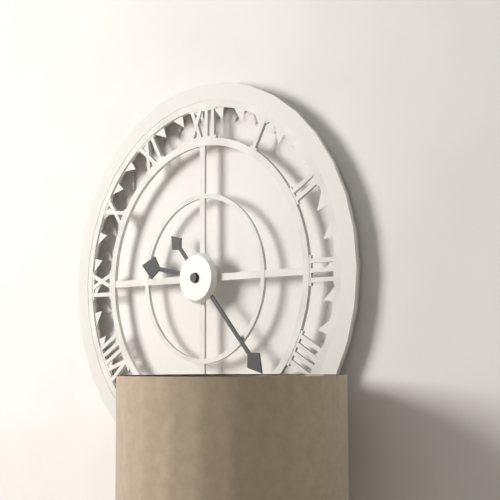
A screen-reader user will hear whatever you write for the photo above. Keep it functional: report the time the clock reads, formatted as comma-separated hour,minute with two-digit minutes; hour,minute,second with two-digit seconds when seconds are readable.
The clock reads 9,23
